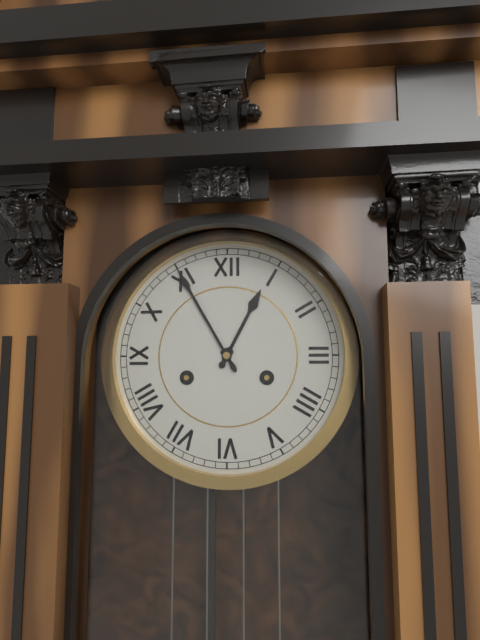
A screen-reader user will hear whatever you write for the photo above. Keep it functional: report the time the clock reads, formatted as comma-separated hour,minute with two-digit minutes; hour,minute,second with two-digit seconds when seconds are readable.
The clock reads 12,55
